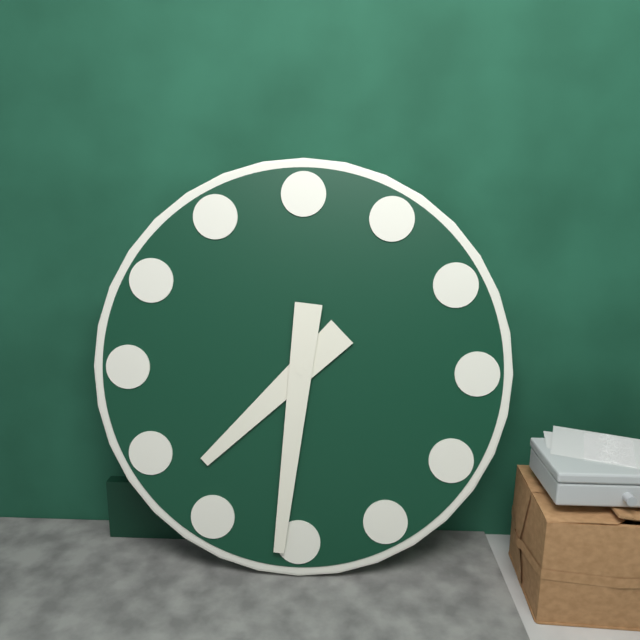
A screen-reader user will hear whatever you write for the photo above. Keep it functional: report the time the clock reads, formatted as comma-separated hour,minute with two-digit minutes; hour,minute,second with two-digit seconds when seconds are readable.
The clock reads 7,31
